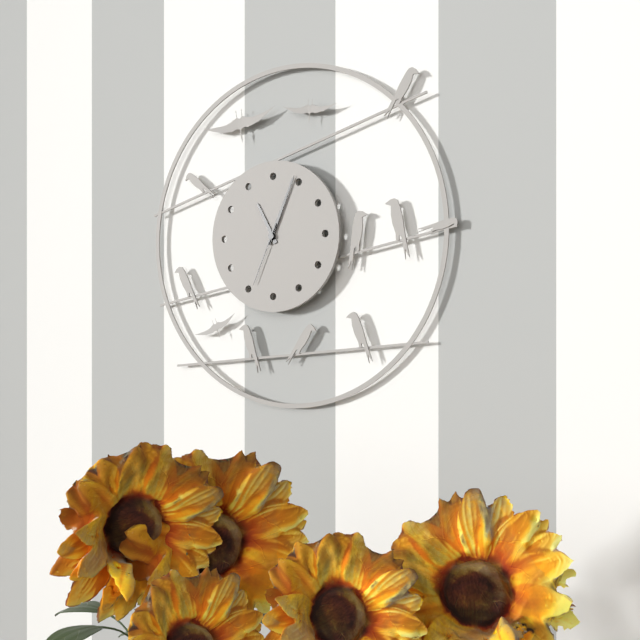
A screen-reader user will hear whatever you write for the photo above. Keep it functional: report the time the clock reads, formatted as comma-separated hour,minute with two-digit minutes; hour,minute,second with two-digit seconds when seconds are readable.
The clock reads 11,04,34
